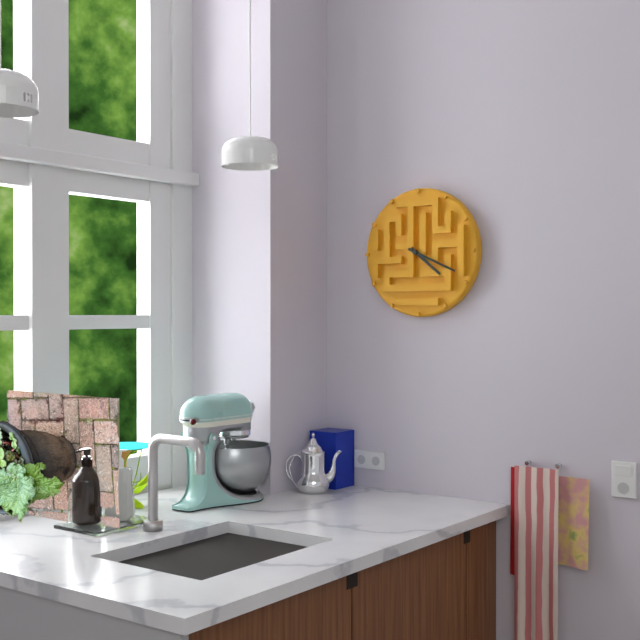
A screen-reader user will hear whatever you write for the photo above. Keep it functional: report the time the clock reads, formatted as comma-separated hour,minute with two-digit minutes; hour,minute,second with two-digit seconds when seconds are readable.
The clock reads 4,19
